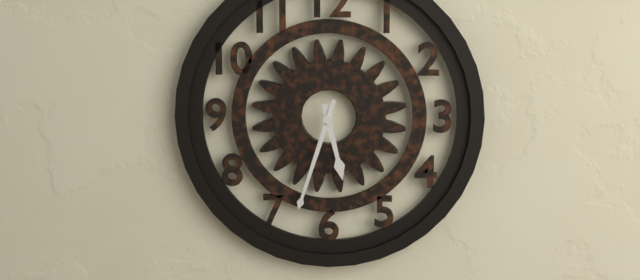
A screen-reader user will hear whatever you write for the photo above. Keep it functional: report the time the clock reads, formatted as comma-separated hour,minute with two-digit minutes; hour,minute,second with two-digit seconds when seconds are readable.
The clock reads 5,33
